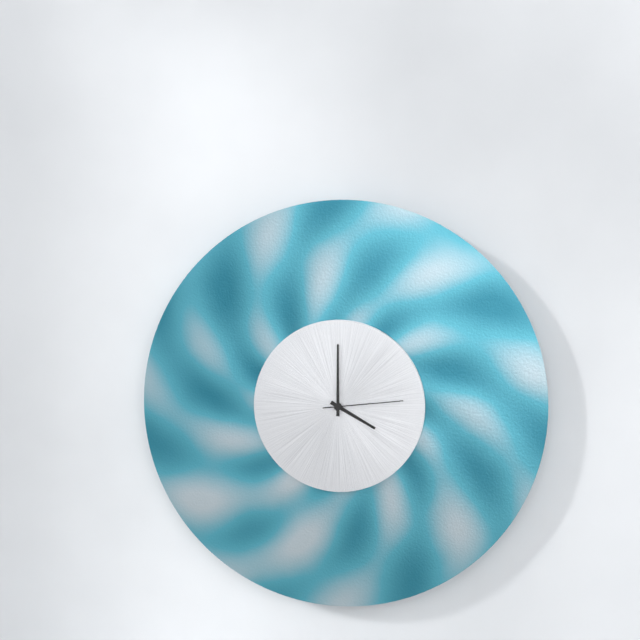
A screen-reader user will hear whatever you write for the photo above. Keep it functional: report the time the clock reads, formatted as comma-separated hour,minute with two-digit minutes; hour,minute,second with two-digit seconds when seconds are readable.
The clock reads 4,00,14
